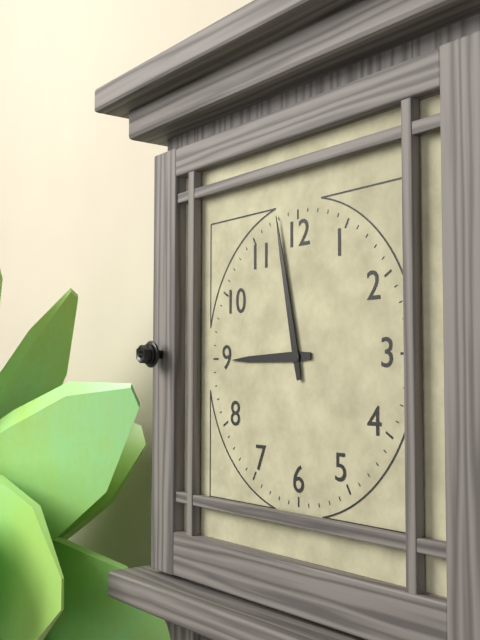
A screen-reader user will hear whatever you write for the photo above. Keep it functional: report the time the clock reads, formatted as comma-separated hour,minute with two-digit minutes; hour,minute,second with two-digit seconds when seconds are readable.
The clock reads 8,58
